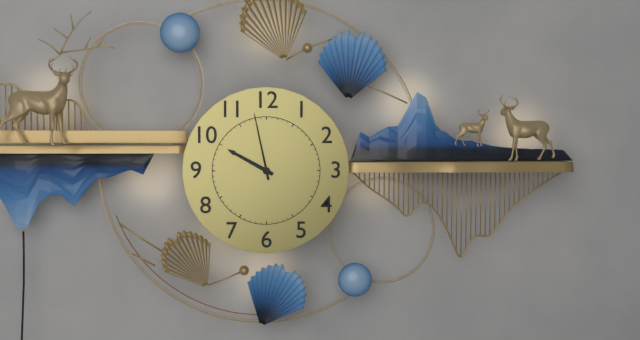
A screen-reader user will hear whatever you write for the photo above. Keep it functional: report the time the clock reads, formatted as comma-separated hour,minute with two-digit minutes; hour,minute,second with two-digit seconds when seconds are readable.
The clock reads 9,58
